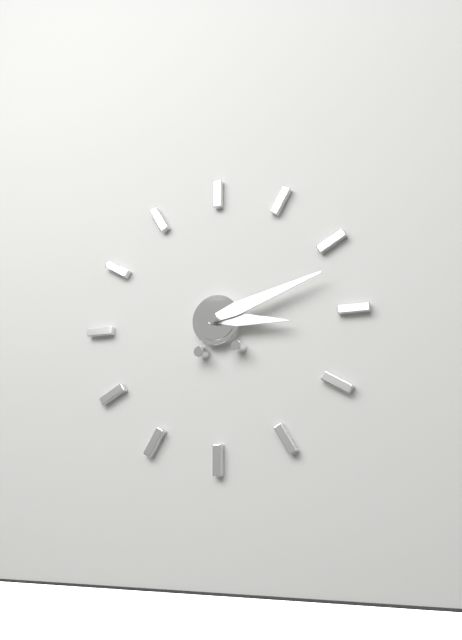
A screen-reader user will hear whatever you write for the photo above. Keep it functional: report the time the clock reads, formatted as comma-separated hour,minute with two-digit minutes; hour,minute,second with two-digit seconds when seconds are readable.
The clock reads 3,12
